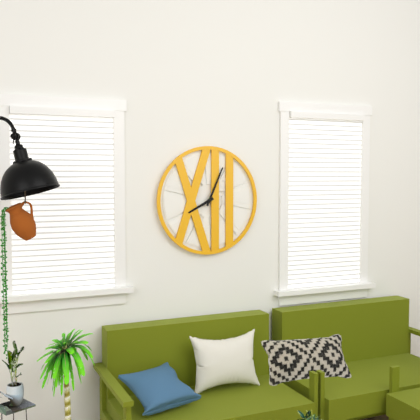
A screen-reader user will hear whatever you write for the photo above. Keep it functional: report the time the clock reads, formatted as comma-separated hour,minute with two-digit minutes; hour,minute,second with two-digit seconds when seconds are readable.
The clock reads 8,04
